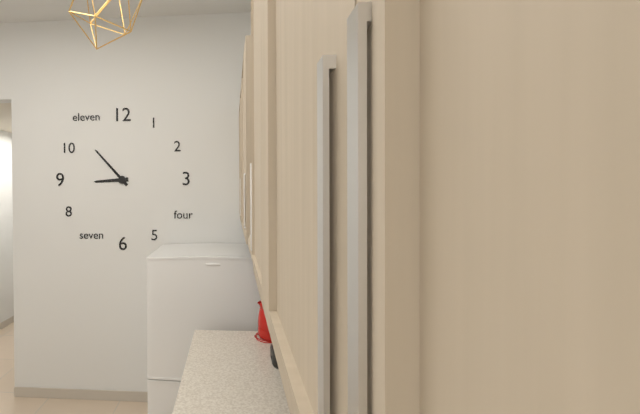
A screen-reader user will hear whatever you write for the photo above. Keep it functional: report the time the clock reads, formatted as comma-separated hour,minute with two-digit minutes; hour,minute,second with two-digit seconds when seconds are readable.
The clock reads 8,53
